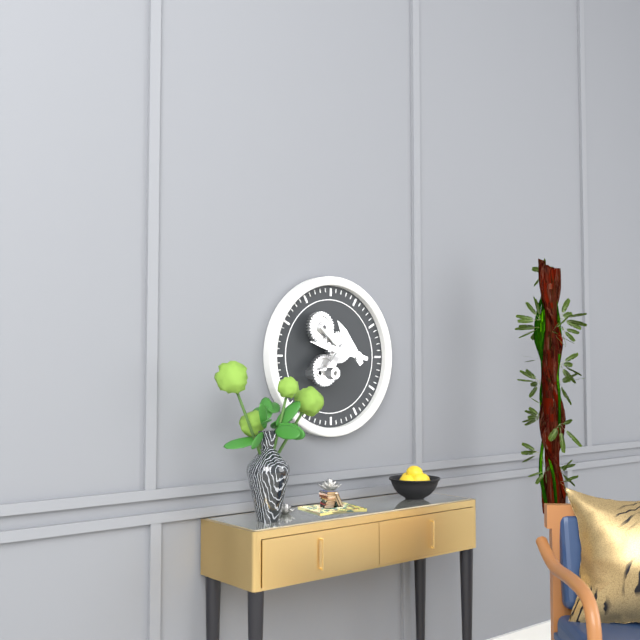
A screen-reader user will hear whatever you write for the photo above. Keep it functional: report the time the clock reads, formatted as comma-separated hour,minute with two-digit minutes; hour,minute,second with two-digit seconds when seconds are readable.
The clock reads 10,47
